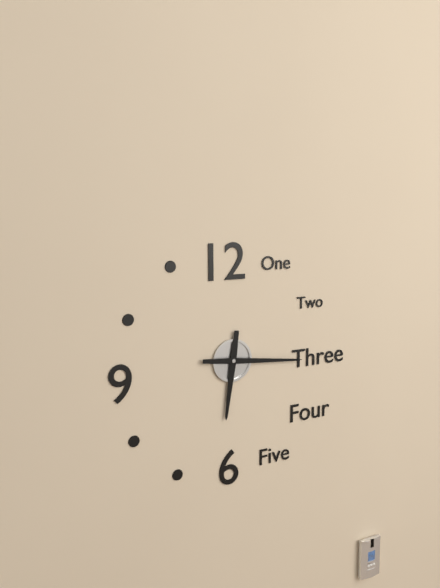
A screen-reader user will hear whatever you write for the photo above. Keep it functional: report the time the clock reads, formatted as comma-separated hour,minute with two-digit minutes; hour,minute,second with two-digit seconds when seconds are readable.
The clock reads 6,16
